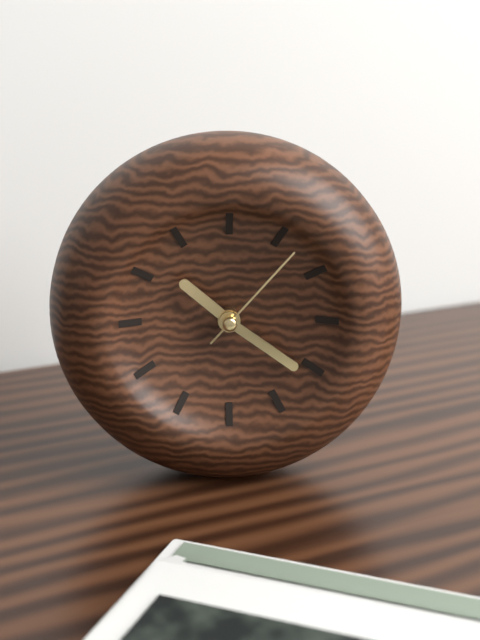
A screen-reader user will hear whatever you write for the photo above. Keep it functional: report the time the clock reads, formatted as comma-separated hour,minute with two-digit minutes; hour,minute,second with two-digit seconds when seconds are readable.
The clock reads 10,21,07
